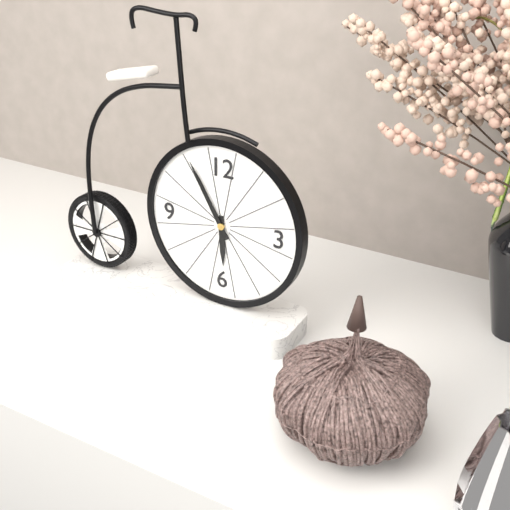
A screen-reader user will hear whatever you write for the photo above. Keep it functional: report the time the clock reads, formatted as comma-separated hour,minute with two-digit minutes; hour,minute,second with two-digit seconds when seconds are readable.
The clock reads 5,55
